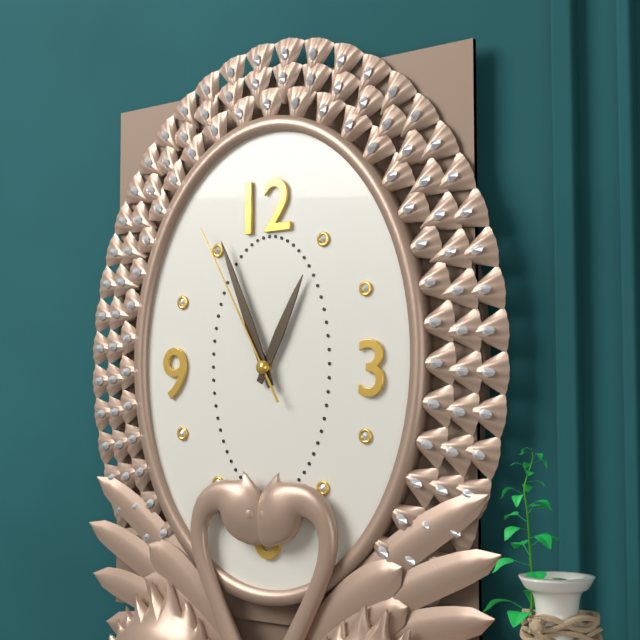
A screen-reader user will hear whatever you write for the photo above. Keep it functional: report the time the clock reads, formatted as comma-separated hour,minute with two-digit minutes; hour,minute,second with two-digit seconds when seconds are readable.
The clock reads 12,56,55
